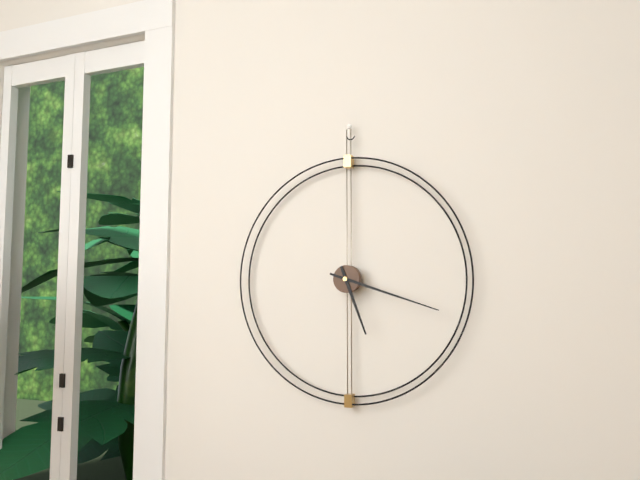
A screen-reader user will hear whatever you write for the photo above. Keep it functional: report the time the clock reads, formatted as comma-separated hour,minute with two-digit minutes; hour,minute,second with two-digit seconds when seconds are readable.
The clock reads 5,18
